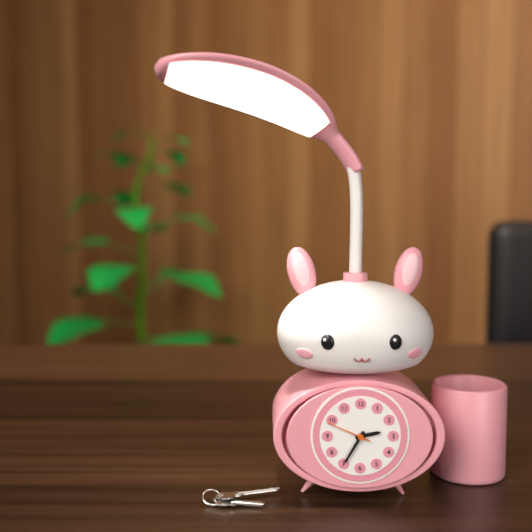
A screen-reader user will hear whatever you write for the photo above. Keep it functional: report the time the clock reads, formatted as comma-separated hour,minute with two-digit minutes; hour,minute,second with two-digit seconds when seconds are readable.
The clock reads 2,35
